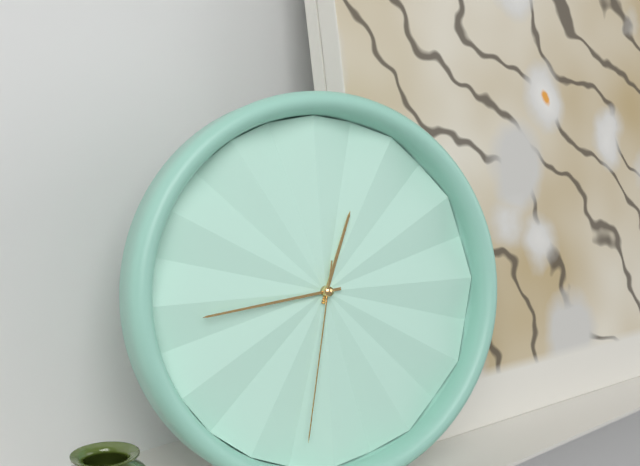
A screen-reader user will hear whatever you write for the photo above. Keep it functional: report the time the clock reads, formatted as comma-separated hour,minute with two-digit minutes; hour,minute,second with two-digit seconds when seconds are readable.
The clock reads 12,44,32
